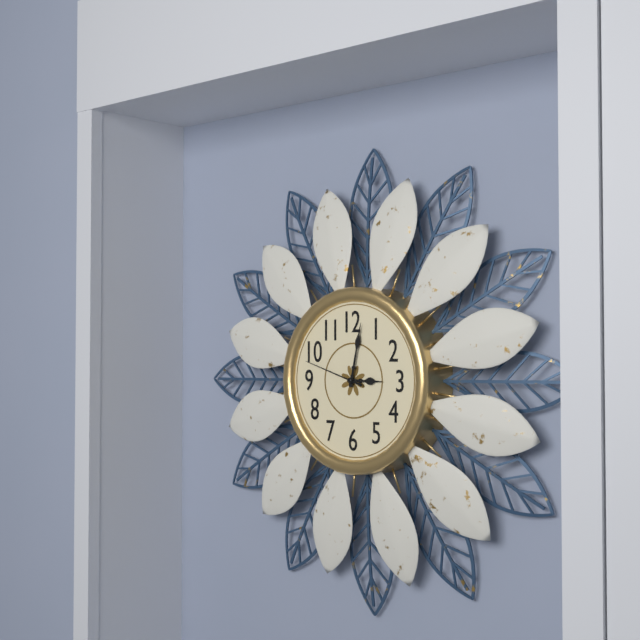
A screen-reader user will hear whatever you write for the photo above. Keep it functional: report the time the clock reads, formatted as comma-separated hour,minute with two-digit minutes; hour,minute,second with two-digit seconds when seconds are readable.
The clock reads 3,02,48
